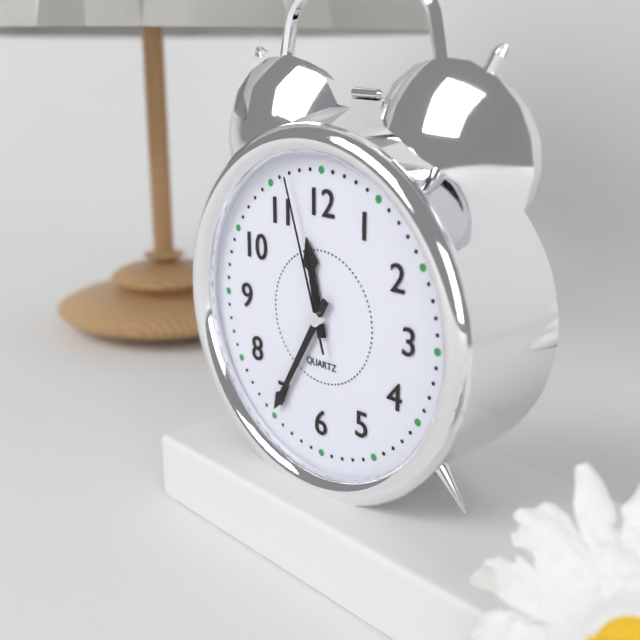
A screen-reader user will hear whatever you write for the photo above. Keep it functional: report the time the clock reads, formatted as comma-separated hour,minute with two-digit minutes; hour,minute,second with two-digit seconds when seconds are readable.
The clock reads 11,35,57
